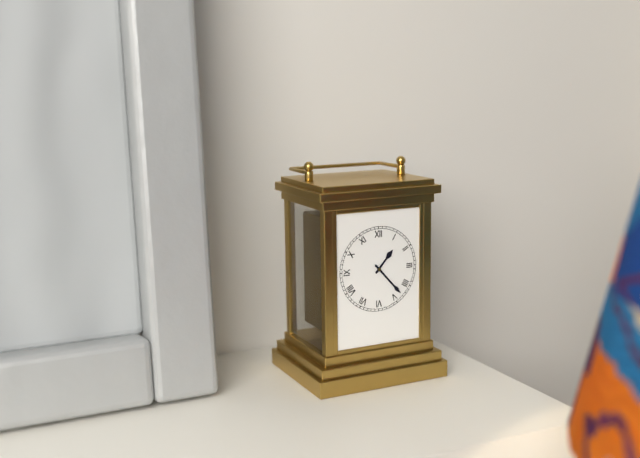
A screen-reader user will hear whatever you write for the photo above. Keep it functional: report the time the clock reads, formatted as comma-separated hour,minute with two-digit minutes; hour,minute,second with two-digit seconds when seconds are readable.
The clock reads 1,23
